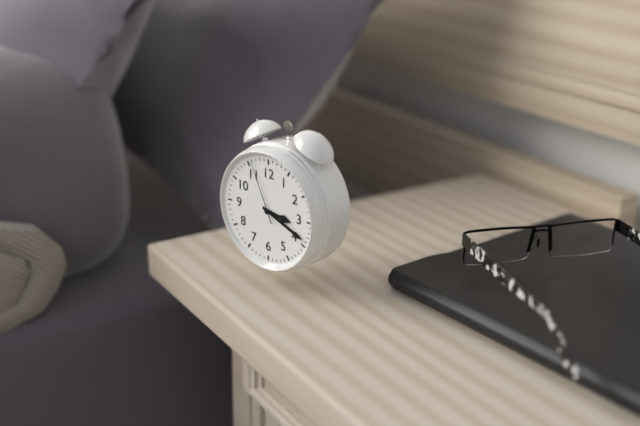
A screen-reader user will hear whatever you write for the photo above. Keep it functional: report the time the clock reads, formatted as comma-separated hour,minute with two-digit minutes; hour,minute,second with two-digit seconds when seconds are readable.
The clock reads 3,19,56
